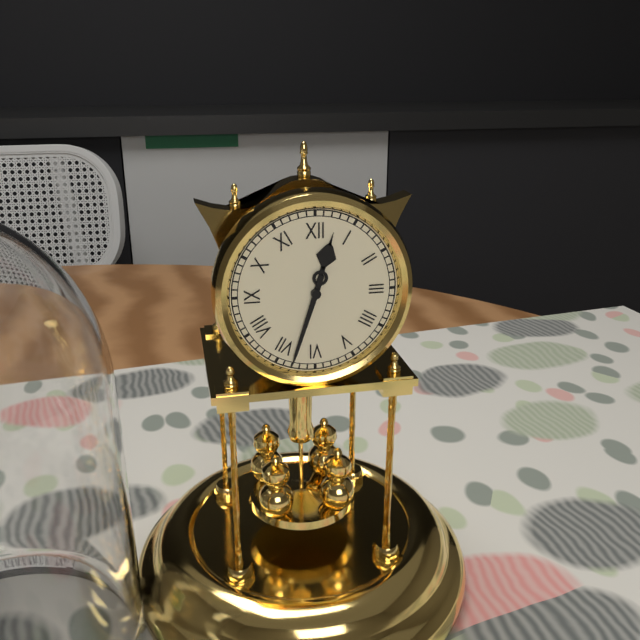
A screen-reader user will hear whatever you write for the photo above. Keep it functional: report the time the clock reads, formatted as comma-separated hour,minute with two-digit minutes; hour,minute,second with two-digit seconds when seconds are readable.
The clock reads 12,33
